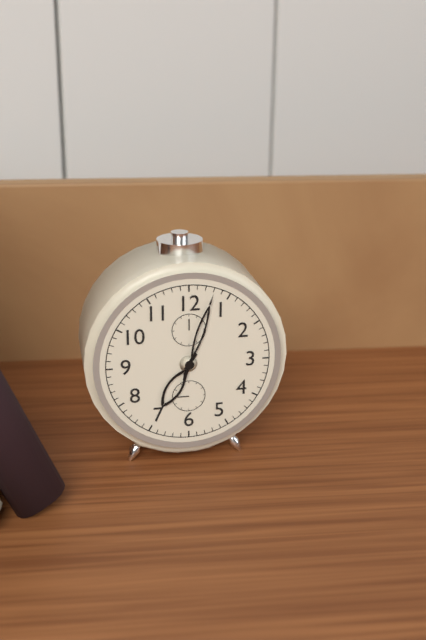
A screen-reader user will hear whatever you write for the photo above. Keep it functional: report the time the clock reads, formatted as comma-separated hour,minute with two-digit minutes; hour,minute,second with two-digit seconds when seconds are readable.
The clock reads 7,03
